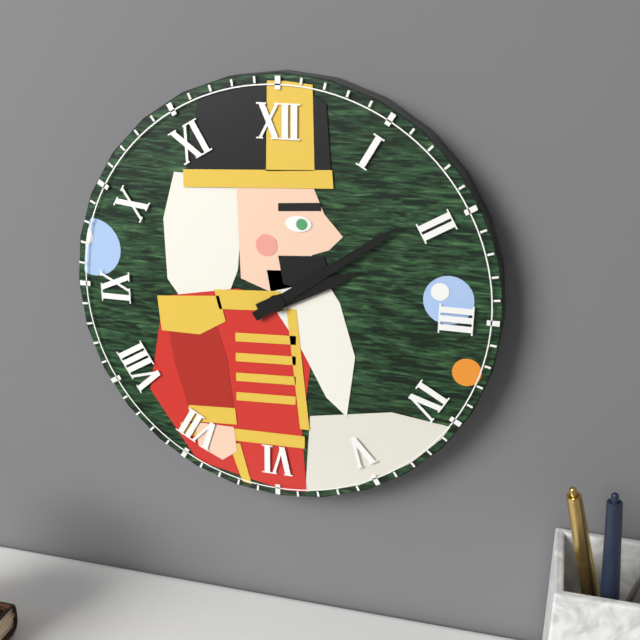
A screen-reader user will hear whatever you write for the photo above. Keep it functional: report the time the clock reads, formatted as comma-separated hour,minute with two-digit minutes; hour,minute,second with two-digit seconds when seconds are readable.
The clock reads 2,09
